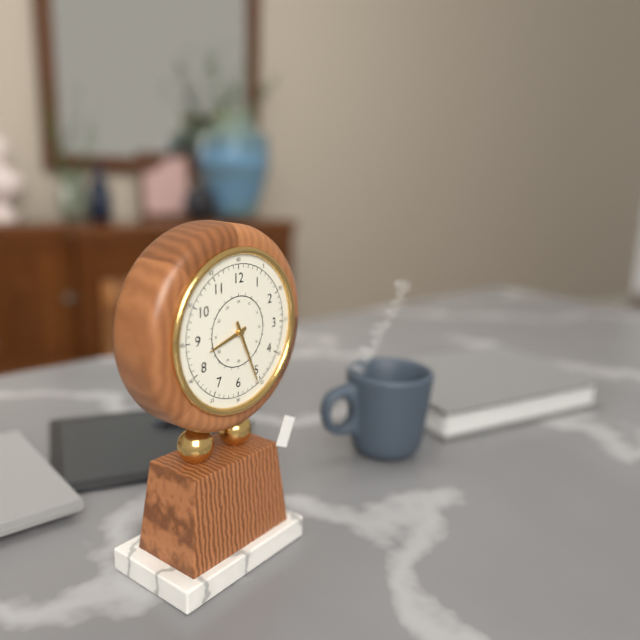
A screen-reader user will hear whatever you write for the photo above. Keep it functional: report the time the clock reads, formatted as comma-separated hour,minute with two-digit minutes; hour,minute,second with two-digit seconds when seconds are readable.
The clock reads 8,26
